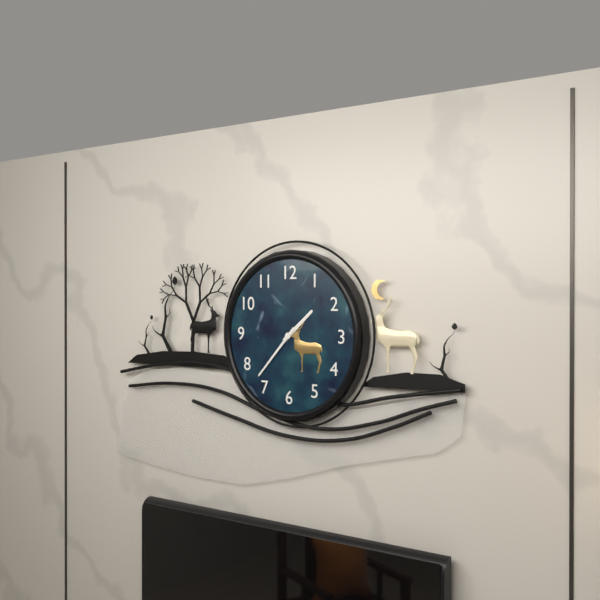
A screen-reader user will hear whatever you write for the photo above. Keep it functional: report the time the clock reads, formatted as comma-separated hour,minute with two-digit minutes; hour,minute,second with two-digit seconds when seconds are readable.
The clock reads 1,37
